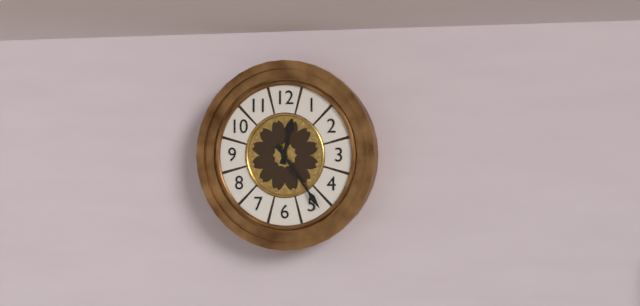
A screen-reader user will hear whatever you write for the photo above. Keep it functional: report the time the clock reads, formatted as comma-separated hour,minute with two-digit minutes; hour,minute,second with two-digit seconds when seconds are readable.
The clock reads 12,24
